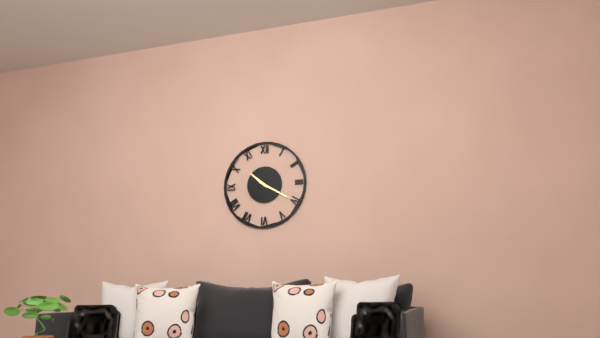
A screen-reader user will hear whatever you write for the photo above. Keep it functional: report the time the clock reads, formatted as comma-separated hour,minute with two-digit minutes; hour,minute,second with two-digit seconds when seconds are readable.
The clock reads 10,20
